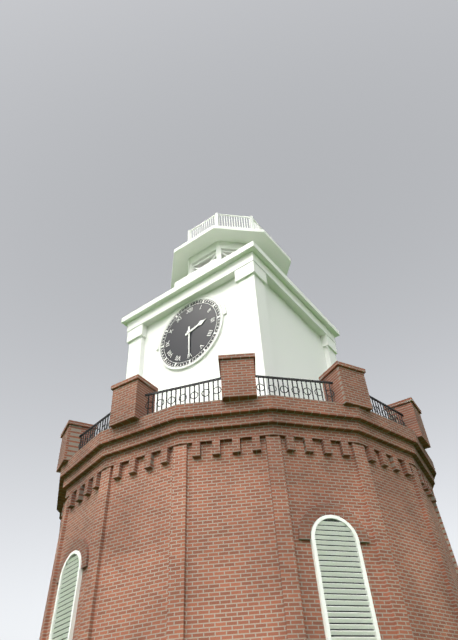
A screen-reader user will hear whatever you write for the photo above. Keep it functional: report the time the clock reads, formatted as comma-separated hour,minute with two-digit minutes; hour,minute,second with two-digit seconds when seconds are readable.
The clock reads 2,30
